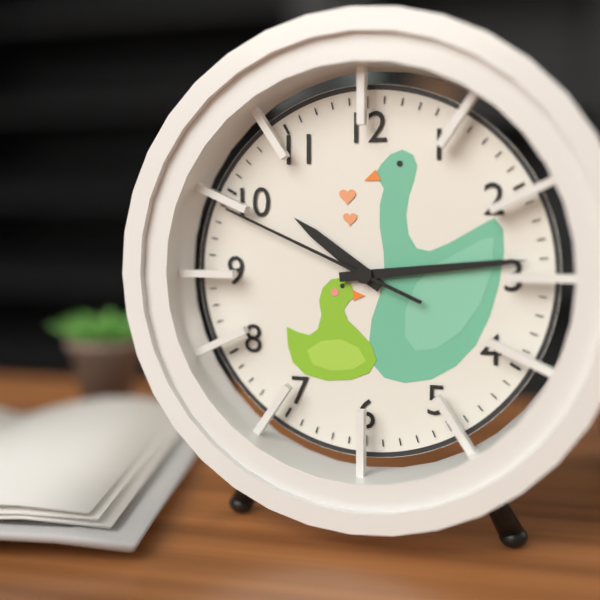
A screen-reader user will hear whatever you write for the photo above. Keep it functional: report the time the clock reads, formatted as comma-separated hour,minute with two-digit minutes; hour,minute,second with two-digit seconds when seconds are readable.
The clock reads 10,14,49
